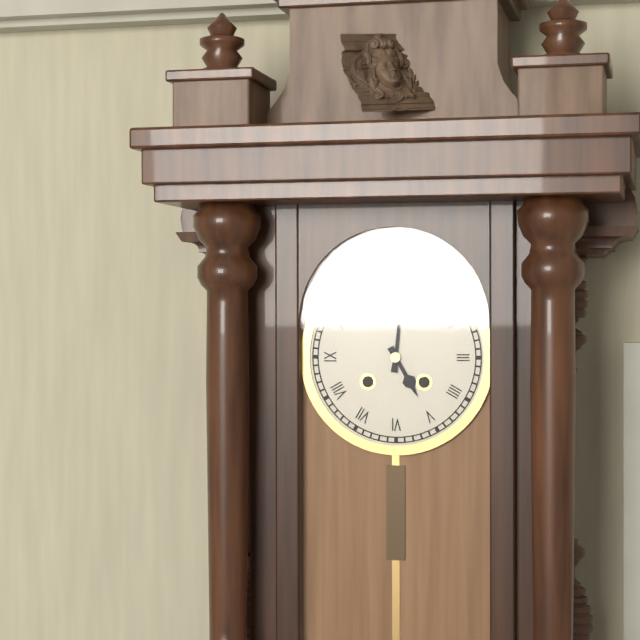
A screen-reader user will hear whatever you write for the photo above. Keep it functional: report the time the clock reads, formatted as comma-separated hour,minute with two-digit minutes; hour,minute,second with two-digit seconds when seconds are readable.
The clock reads 5,01
